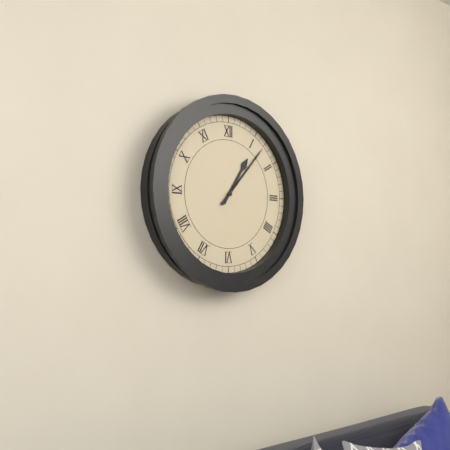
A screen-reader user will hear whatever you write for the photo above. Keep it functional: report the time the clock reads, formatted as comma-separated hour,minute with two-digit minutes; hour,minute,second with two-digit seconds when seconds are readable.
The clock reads 1,07
